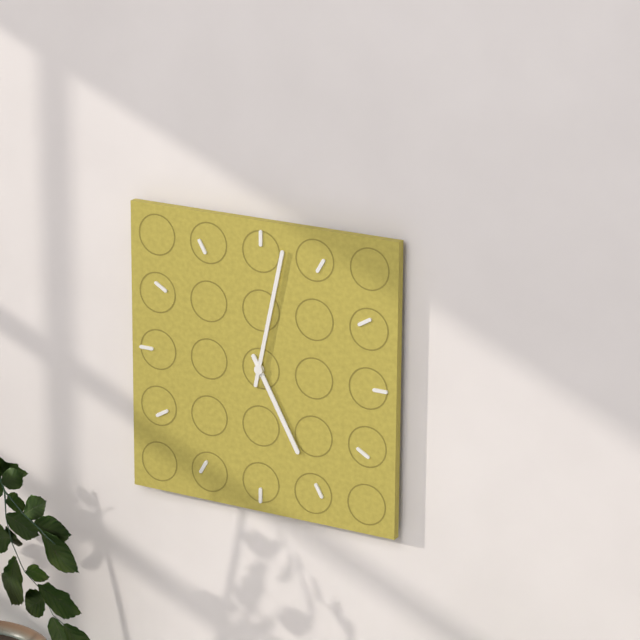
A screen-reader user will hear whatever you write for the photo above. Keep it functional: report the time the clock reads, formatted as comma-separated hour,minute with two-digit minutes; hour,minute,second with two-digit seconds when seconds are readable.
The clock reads 5,02
